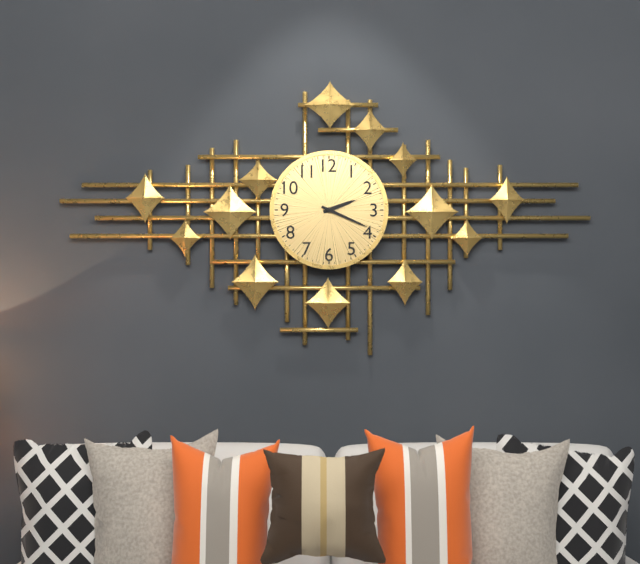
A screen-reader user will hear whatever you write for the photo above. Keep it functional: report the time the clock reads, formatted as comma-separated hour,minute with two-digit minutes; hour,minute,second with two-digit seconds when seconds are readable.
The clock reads 2,19
